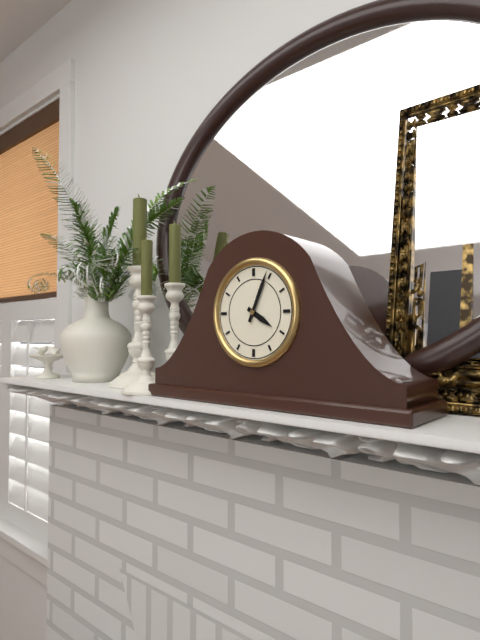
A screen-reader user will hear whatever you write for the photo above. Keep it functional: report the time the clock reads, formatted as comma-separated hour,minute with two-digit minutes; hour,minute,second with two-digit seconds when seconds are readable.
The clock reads 4,04
